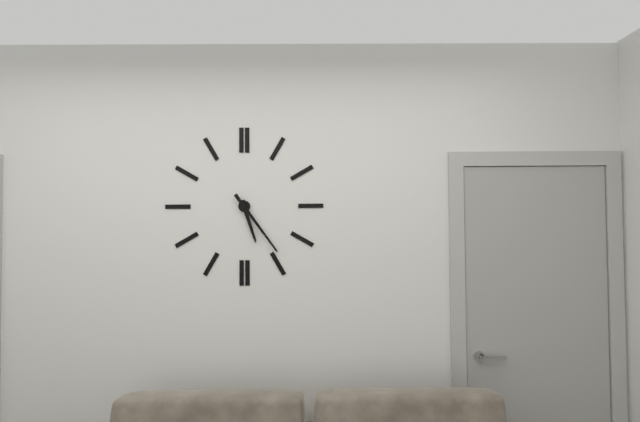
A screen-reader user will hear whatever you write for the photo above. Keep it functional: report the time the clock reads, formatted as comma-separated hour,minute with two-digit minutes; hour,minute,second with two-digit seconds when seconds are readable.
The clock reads 5,24
